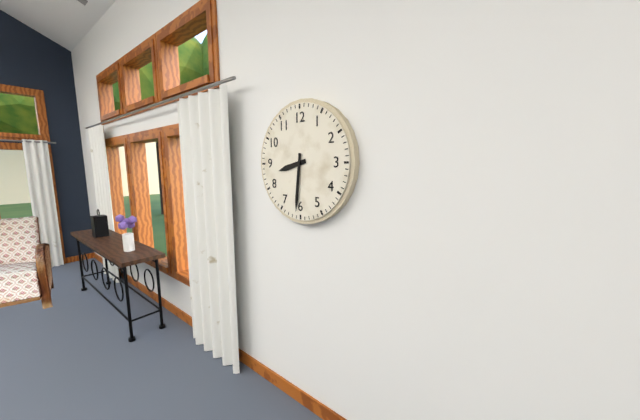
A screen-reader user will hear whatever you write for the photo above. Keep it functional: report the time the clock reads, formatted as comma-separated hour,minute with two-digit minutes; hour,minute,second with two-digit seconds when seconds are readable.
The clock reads 8,31
